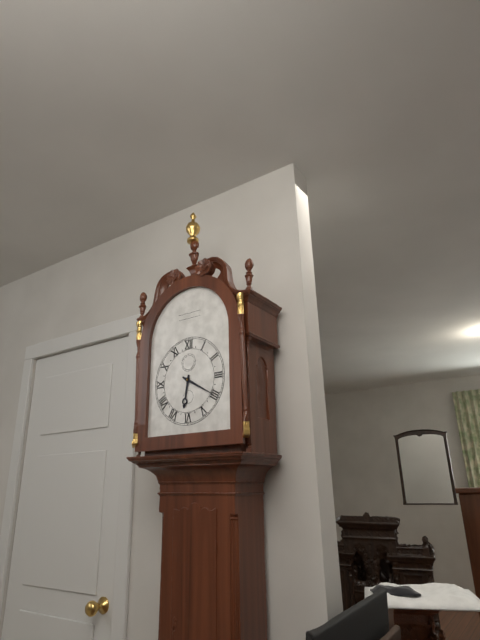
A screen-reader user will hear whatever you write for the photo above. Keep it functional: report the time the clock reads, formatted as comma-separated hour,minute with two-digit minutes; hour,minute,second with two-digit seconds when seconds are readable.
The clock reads 6,20
